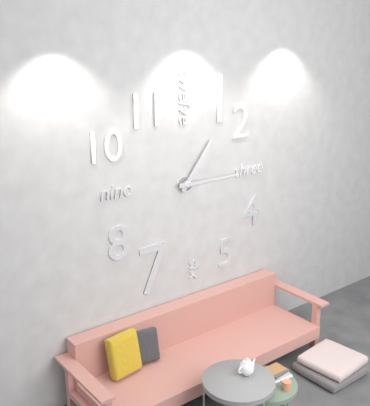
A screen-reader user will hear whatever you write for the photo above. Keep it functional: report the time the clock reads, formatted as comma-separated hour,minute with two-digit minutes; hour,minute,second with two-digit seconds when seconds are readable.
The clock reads 1,15
